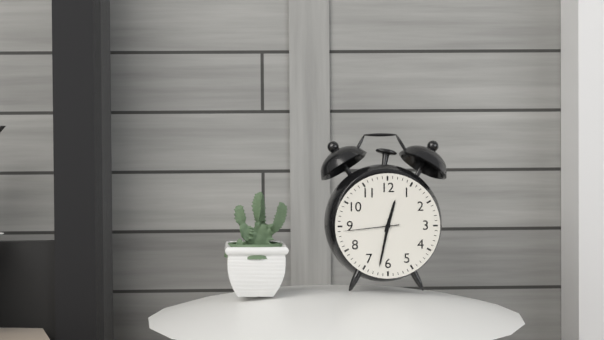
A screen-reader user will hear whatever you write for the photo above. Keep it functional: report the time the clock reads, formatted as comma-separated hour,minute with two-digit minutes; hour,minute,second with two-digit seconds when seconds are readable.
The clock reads 12,32,44
